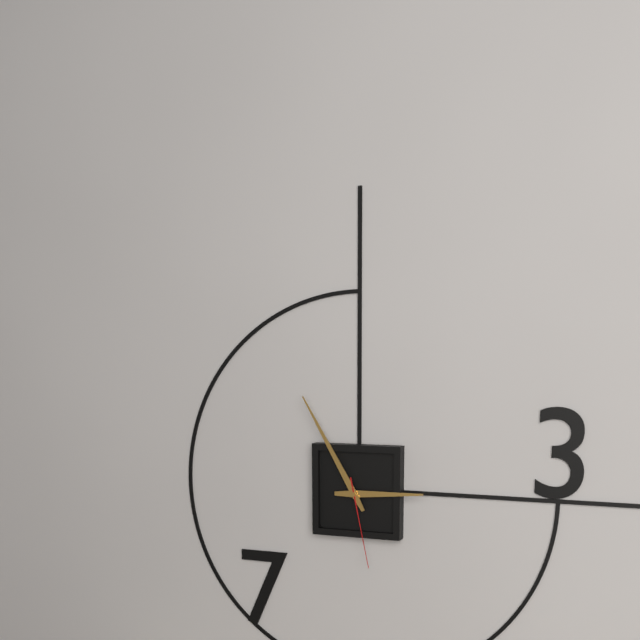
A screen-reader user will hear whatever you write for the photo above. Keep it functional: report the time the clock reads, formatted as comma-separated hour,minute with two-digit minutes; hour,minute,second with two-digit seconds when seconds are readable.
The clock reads 2,55,28
